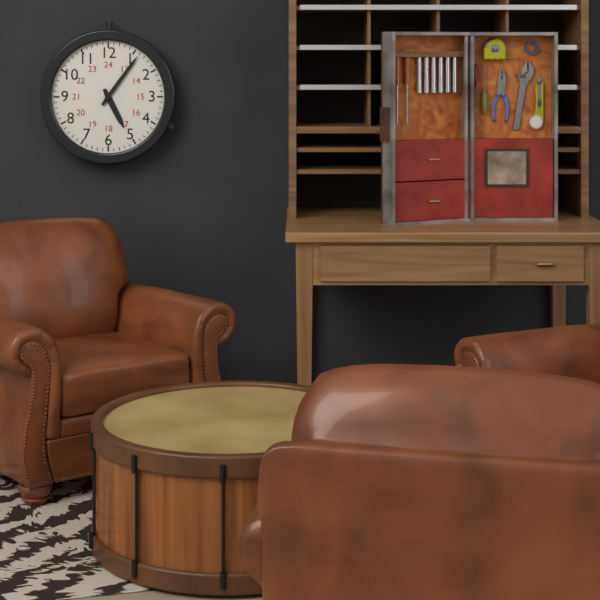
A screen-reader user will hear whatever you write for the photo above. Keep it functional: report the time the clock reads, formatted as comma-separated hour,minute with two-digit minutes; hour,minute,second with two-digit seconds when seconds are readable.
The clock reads 5,06
